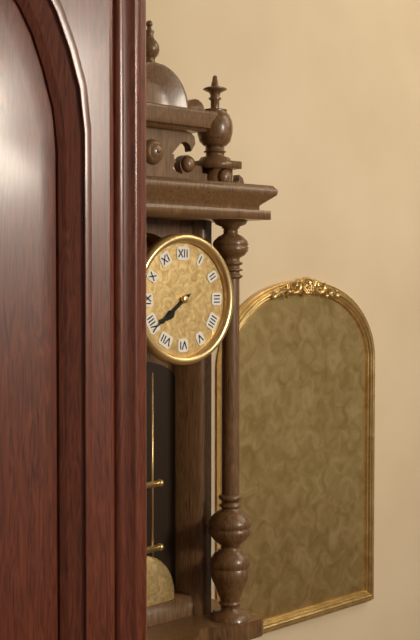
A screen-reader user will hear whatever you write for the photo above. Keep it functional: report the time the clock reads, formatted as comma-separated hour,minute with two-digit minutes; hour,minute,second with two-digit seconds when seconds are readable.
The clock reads 7,39
